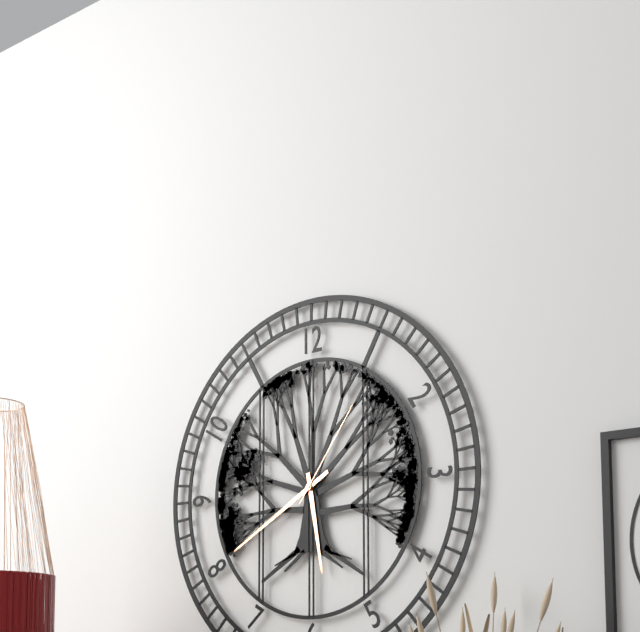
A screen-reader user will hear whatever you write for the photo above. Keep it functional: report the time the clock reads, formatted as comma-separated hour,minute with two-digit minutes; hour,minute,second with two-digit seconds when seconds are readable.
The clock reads 5,40,06
